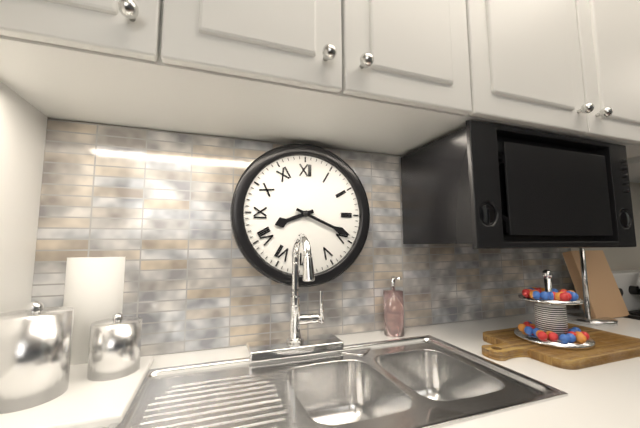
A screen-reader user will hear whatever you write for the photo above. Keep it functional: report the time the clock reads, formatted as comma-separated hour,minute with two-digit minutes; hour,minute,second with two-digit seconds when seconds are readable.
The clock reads 8,19
